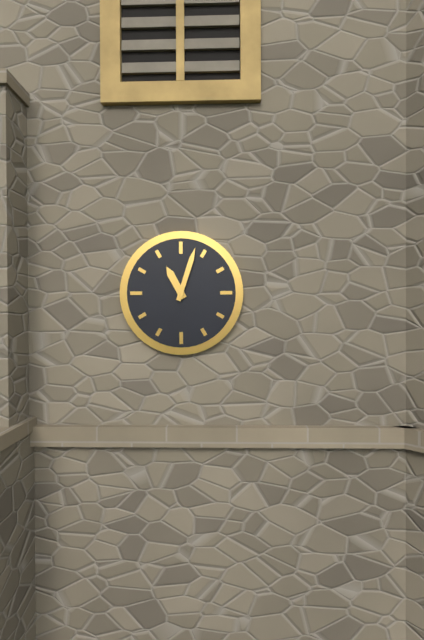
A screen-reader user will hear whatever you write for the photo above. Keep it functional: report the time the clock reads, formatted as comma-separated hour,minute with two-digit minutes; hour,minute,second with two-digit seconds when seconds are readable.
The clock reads 11,03
